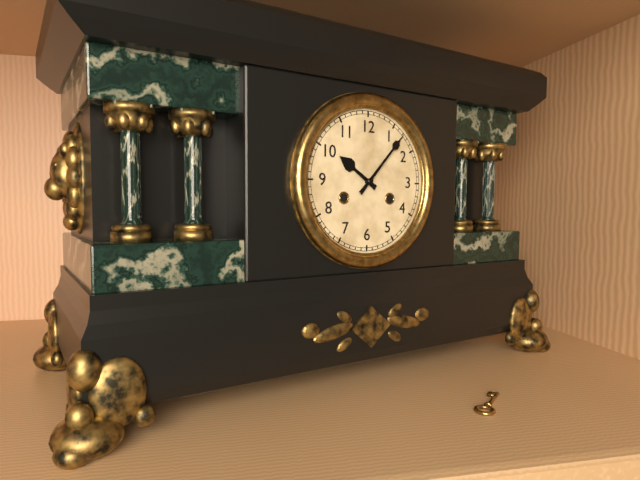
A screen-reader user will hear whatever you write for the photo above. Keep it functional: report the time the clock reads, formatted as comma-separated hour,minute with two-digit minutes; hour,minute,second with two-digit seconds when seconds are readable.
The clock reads 10,07
